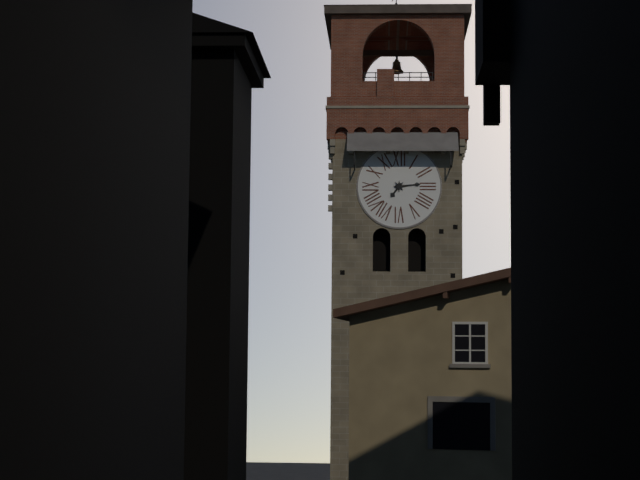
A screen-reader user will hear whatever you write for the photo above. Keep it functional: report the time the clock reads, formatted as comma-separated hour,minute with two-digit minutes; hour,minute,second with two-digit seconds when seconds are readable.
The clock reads 7,14
